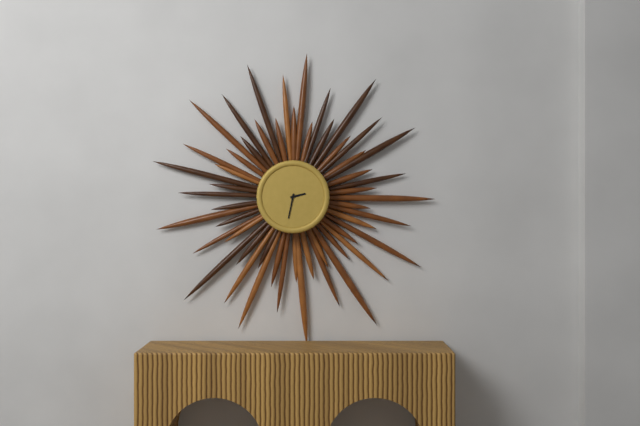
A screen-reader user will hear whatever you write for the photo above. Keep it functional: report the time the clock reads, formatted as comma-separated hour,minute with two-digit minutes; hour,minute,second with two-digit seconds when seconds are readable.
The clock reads 2,32
